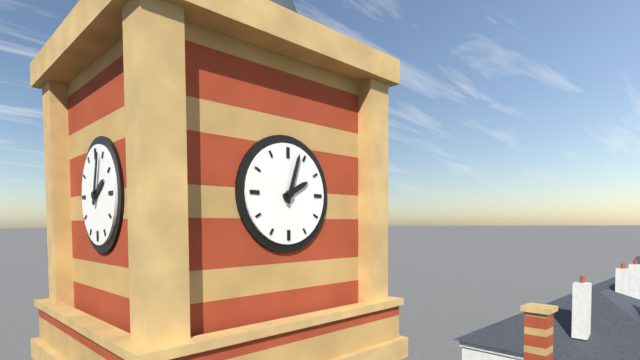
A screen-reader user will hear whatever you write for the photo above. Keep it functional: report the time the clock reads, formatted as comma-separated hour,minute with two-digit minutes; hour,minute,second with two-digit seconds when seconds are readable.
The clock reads 2,03
